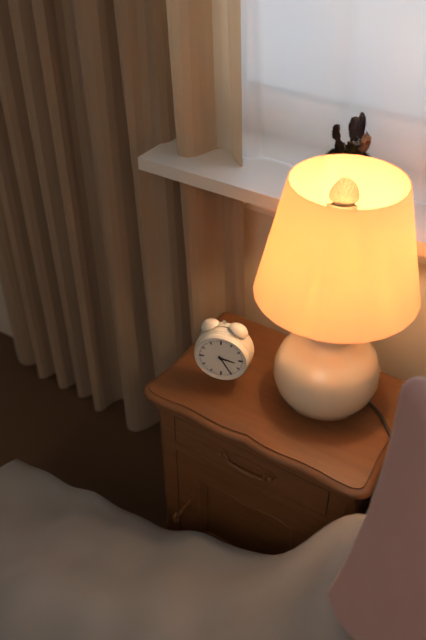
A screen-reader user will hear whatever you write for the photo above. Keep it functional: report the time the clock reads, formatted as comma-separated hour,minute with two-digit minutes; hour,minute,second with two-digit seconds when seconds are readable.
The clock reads 3,25
